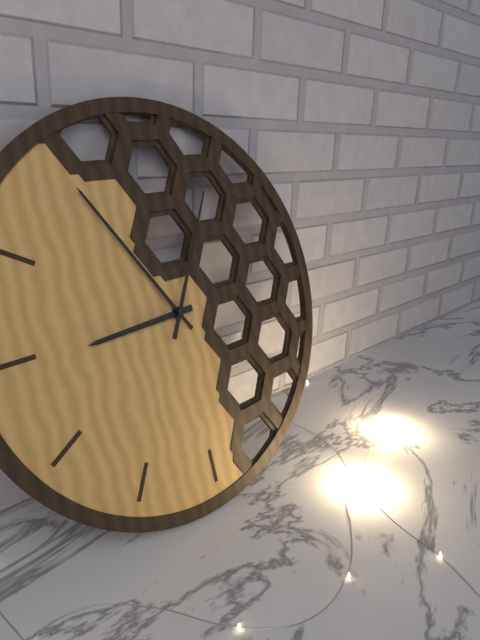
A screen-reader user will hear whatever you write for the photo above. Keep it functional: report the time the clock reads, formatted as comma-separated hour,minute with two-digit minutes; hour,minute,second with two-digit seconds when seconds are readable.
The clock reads 8,55,05
